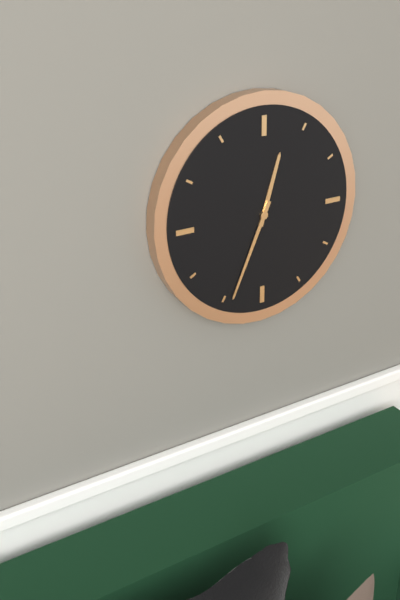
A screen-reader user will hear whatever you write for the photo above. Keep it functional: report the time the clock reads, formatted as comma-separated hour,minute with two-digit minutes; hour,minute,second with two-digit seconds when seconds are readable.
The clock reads 12,34
